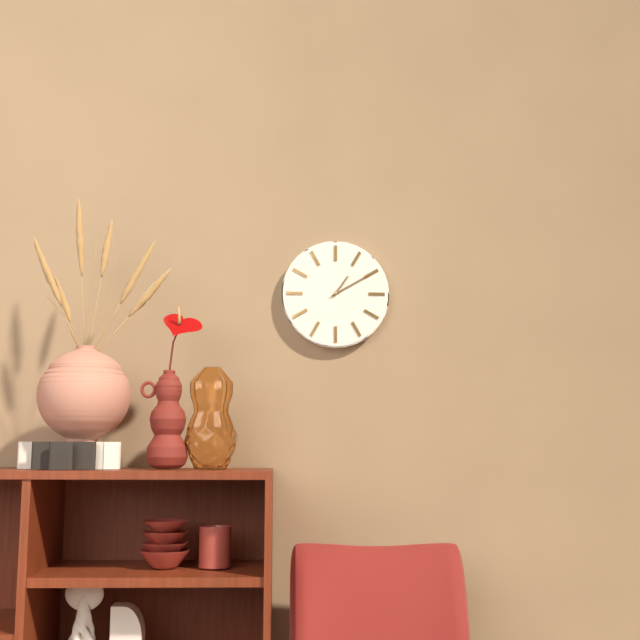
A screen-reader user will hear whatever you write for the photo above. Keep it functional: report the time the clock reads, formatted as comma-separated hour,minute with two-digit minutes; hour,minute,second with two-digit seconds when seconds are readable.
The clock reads 1,10
